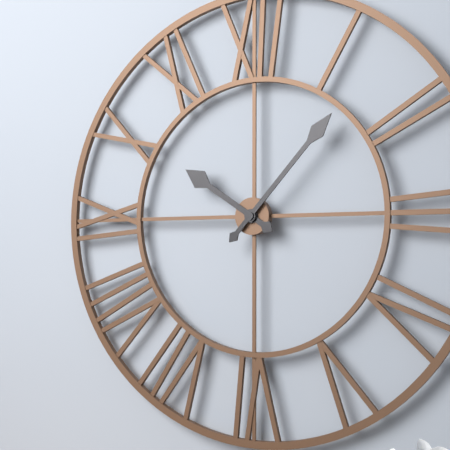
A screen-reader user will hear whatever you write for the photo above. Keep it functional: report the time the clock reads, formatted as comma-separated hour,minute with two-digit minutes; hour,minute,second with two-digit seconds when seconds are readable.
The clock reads 10,07
